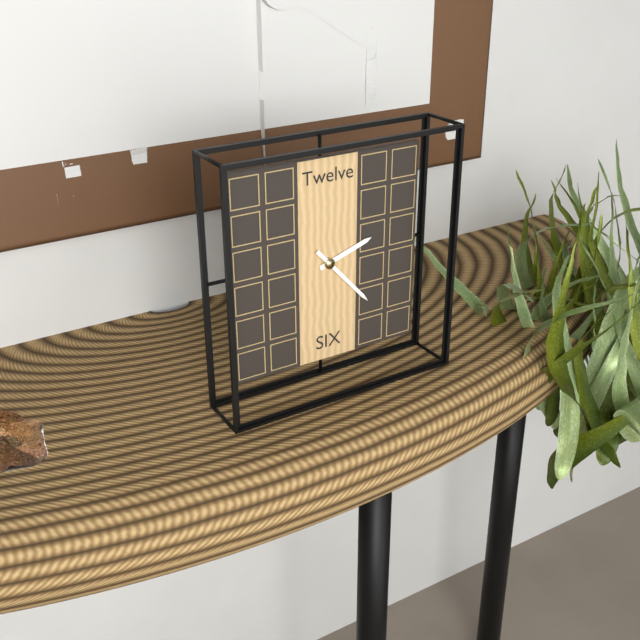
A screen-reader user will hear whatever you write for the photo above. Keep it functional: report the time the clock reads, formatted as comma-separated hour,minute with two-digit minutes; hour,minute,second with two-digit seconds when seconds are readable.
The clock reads 2,23
